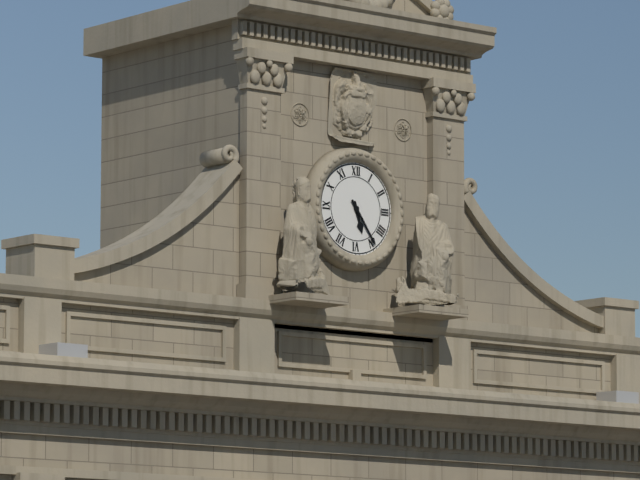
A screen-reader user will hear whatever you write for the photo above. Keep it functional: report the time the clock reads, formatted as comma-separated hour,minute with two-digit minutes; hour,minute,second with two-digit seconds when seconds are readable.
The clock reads 5,24
